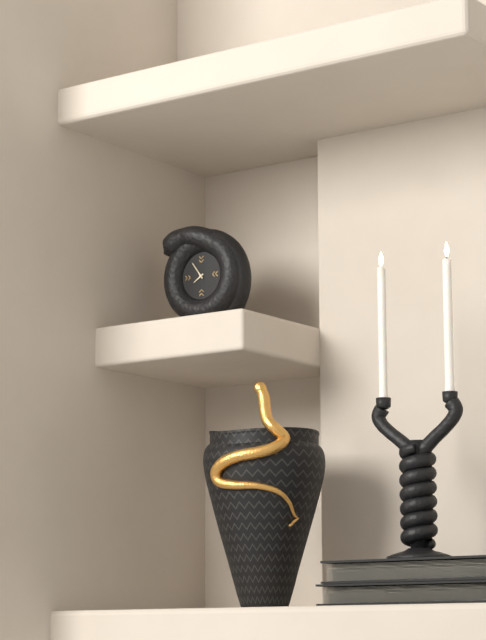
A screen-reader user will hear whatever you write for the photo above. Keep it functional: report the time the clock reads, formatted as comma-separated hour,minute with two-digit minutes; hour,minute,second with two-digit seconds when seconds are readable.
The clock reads 7,54
